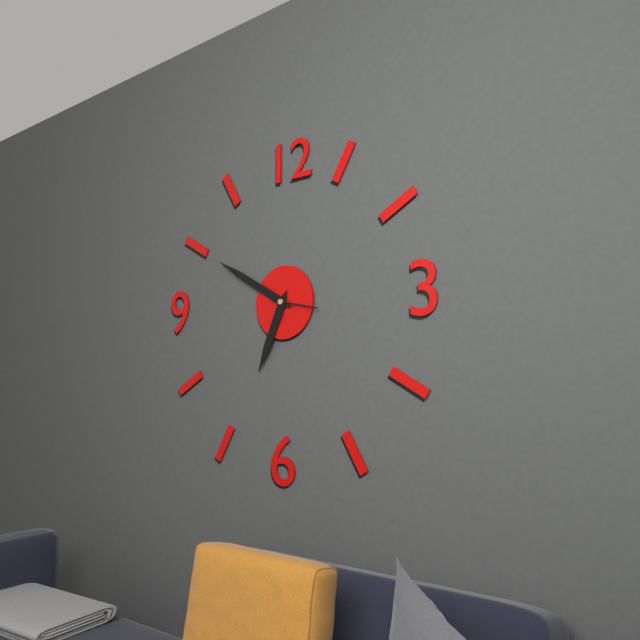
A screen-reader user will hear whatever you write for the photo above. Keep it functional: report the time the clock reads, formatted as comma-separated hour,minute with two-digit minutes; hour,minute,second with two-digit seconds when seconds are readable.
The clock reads 6,50
